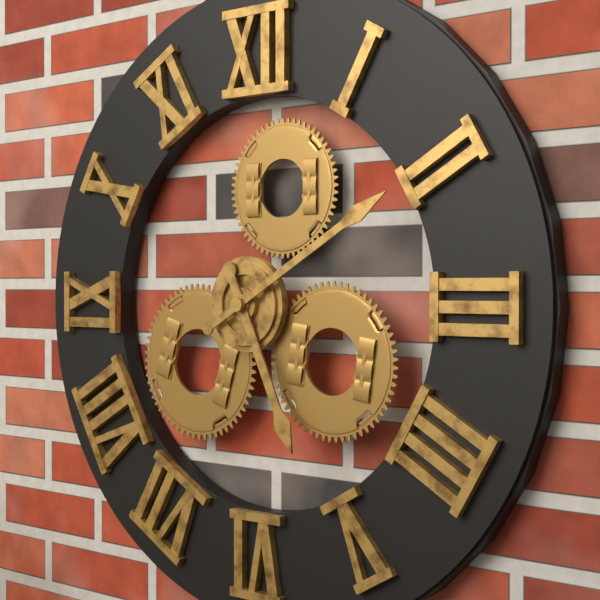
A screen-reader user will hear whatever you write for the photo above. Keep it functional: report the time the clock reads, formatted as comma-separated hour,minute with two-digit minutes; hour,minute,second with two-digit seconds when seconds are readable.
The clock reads 5,10
